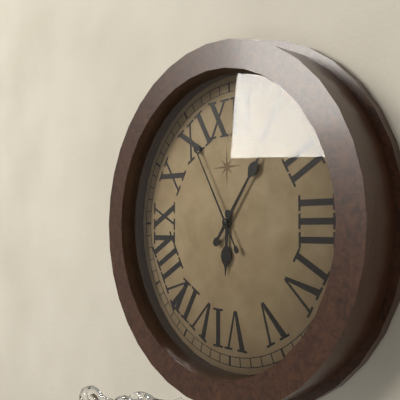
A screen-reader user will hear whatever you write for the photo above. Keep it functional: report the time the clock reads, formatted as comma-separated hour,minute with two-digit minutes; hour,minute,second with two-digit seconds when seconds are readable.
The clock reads 6,06,55
